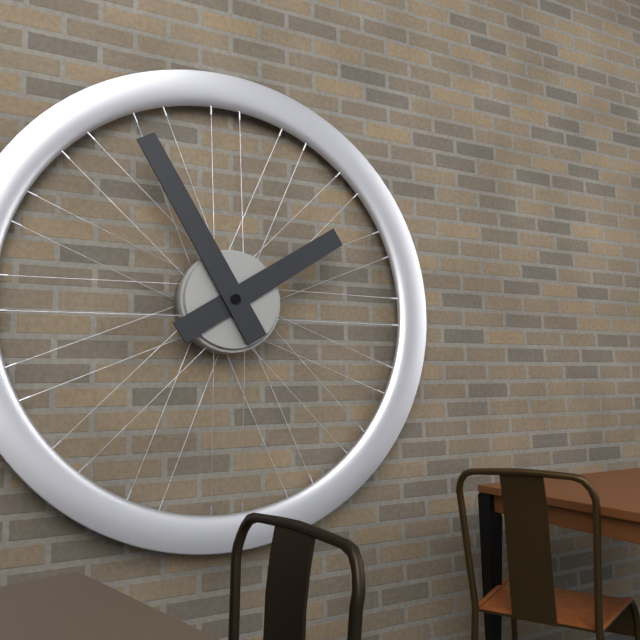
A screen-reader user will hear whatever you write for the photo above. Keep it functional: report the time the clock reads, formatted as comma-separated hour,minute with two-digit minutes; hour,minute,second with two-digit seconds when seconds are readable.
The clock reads 1,55
